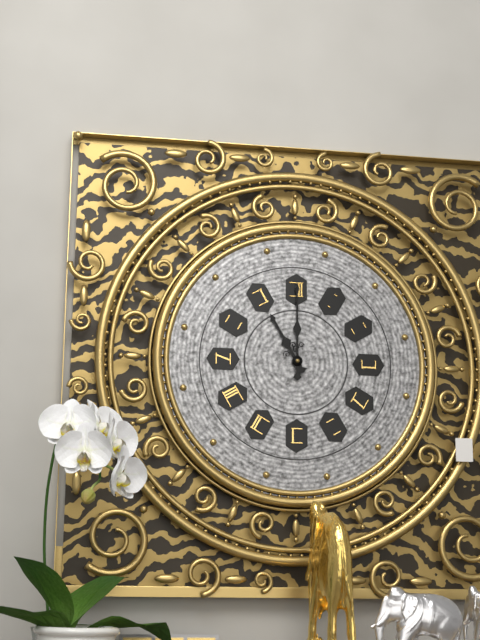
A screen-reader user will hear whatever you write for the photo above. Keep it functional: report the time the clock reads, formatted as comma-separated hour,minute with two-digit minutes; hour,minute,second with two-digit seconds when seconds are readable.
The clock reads 11,00
